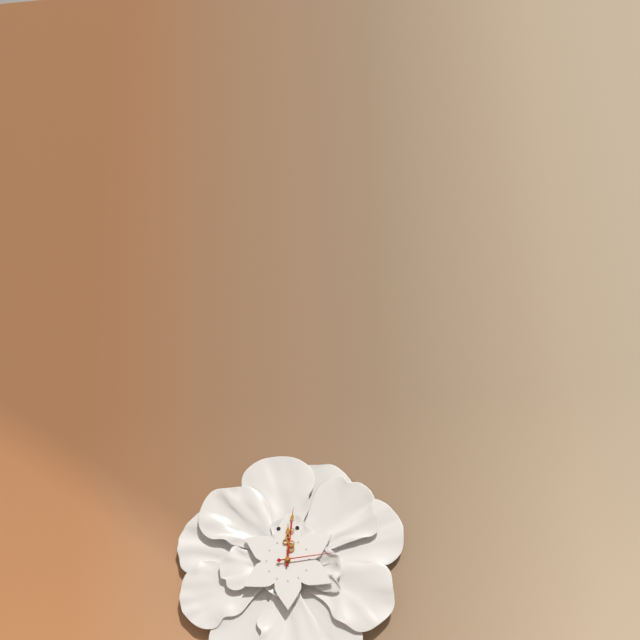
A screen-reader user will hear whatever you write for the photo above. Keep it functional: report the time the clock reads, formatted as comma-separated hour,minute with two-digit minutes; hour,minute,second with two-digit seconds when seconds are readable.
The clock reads 12,01,14
